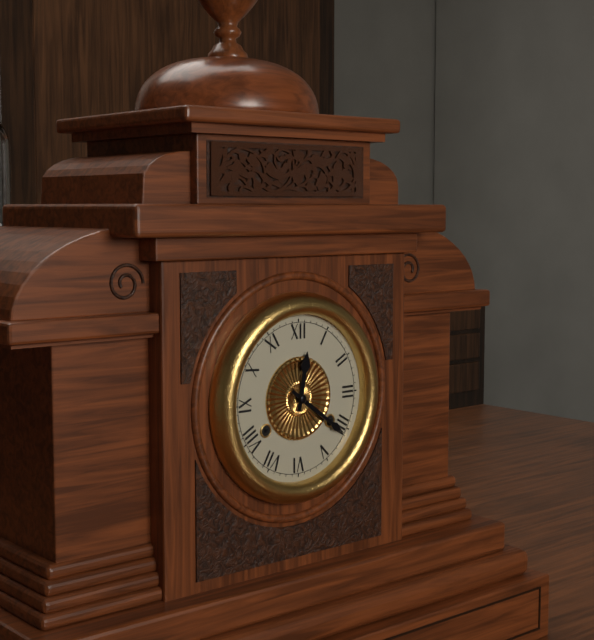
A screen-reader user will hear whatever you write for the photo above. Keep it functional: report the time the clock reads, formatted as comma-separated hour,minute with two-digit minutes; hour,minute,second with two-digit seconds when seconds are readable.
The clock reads 12,21
